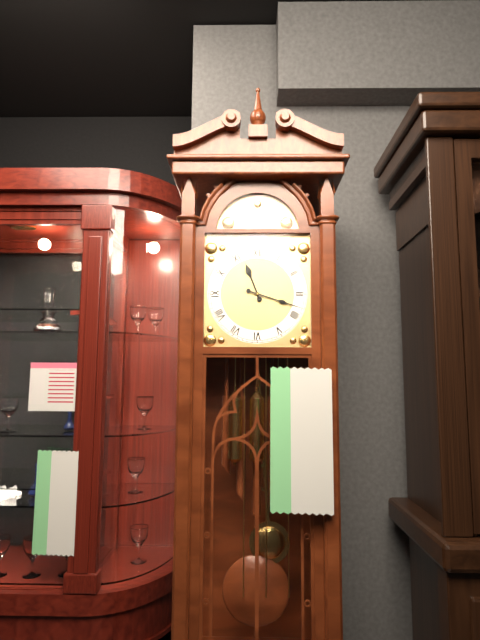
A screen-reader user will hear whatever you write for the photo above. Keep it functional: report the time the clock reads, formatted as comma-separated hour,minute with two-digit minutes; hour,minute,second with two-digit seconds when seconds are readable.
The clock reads 11,18
